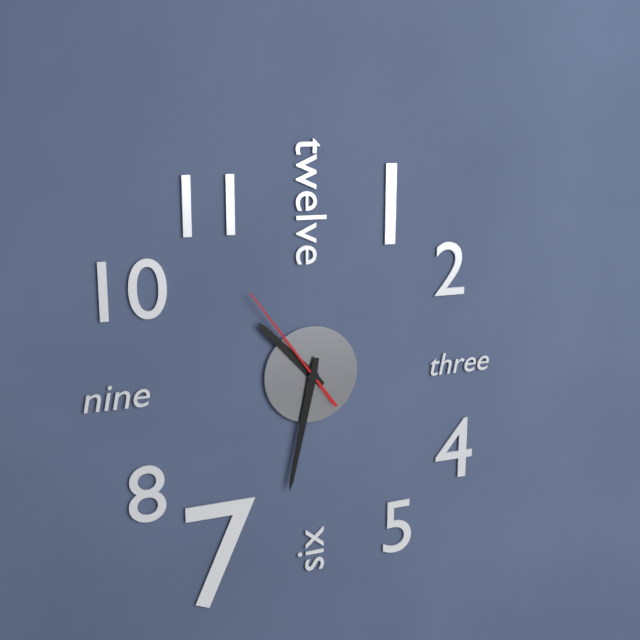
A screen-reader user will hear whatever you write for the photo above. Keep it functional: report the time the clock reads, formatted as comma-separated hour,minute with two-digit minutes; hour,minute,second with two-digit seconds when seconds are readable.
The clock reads 10,32,54
